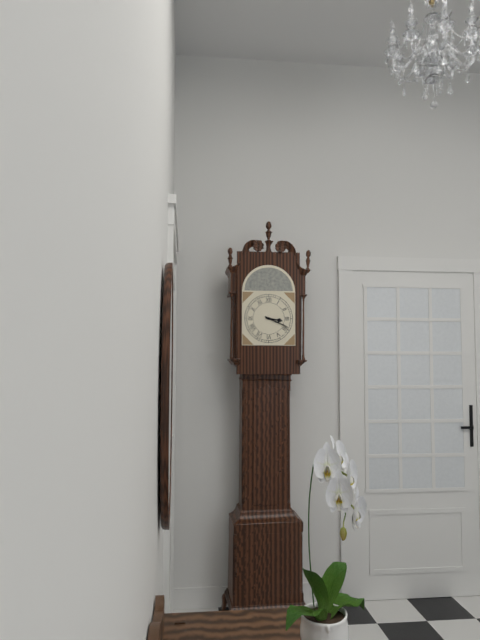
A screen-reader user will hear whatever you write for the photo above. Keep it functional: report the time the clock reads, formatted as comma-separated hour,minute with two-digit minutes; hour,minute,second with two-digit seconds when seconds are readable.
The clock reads 3,19
